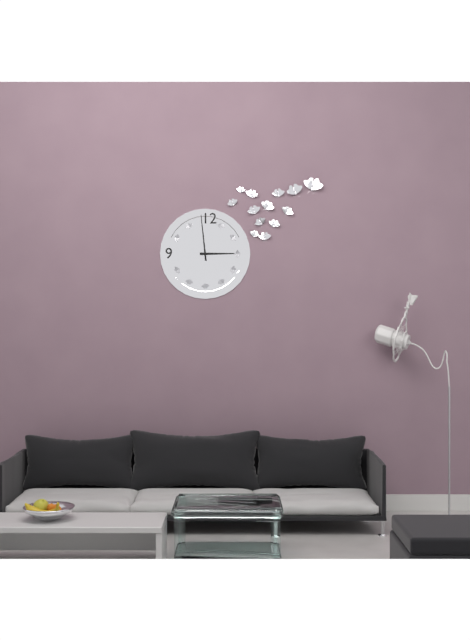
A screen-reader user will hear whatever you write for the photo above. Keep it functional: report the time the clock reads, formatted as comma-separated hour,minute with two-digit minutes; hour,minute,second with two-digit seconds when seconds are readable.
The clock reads 2,59
